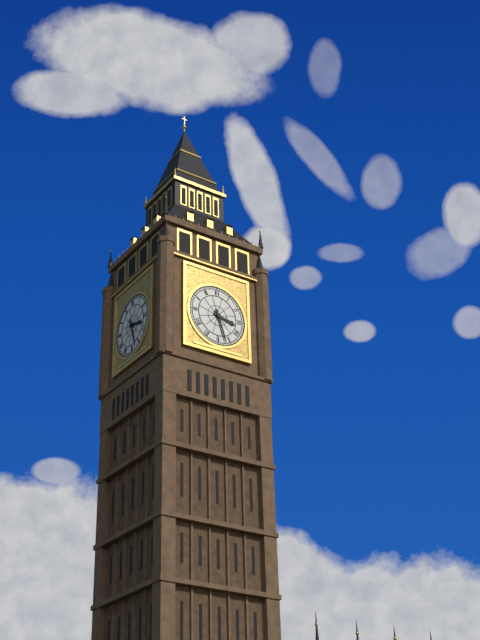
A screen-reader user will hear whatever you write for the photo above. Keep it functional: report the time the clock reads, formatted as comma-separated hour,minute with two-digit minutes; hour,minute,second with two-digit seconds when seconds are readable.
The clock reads 3,27
